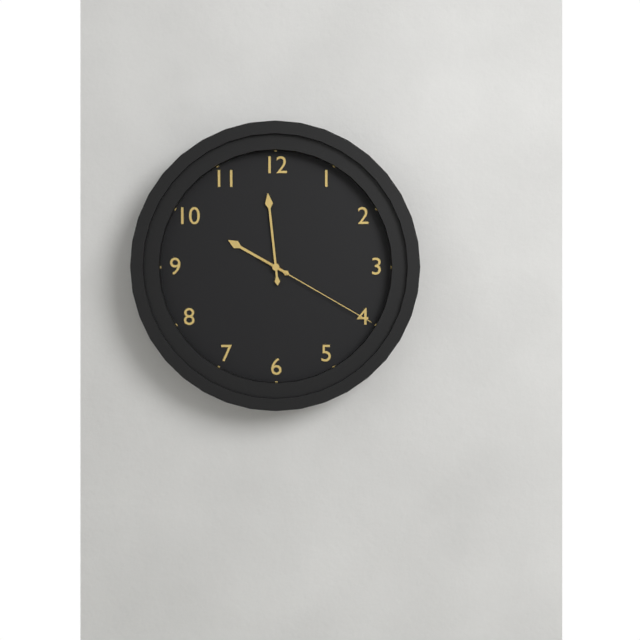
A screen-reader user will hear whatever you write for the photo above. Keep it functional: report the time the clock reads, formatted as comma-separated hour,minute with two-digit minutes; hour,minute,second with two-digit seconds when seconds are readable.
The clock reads 9,59,20
